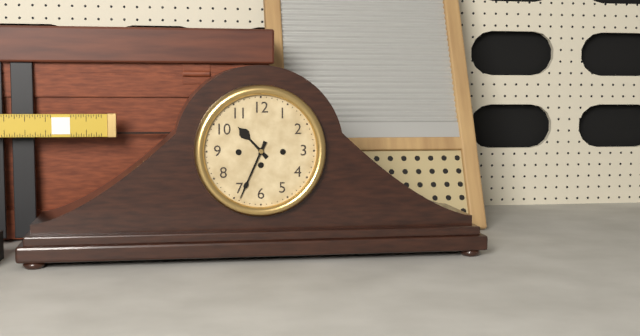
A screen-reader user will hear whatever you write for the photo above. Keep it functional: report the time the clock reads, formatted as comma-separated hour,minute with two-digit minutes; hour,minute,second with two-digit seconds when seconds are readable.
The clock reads 10,34
